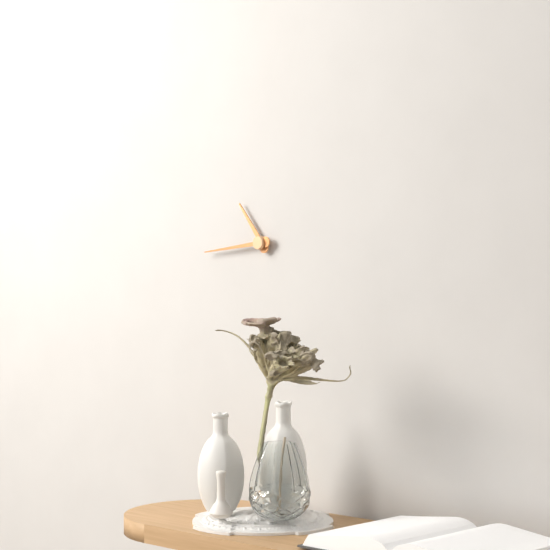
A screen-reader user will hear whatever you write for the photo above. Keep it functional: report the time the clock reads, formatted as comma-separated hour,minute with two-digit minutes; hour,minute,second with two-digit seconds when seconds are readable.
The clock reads 10,44
